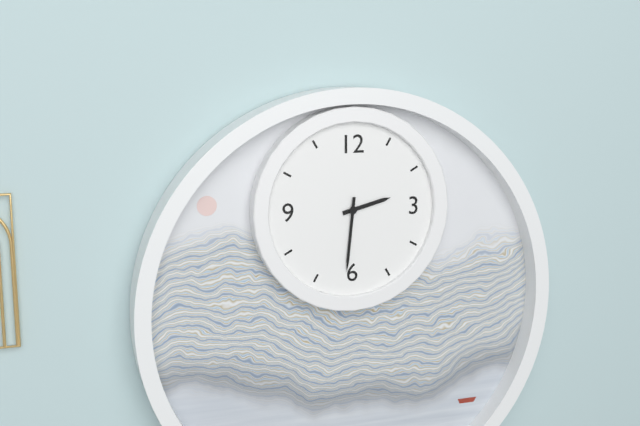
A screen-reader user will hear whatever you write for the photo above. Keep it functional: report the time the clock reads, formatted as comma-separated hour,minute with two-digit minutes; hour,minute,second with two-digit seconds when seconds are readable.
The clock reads 2,31
